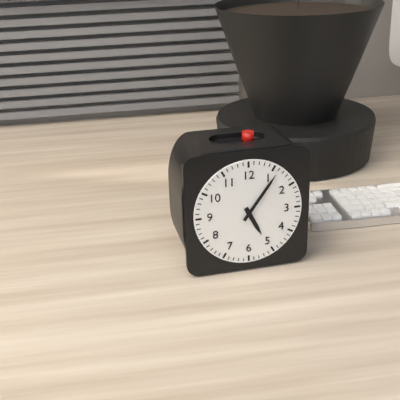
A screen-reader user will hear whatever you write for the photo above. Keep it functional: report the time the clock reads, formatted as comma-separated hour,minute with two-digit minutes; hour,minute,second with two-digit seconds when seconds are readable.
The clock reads 5,06
